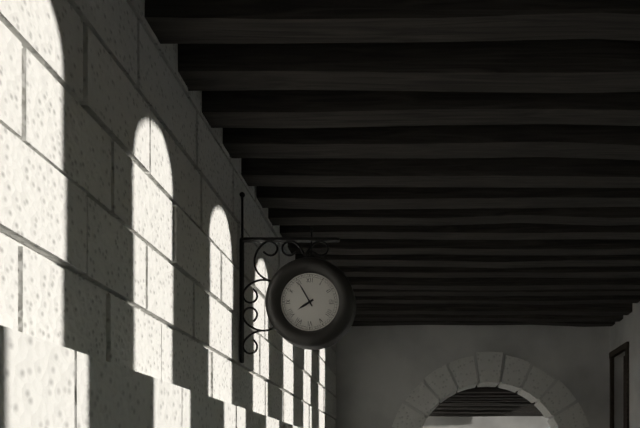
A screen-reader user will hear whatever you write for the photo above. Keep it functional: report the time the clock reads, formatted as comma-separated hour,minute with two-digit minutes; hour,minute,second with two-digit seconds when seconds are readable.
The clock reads 7,55
